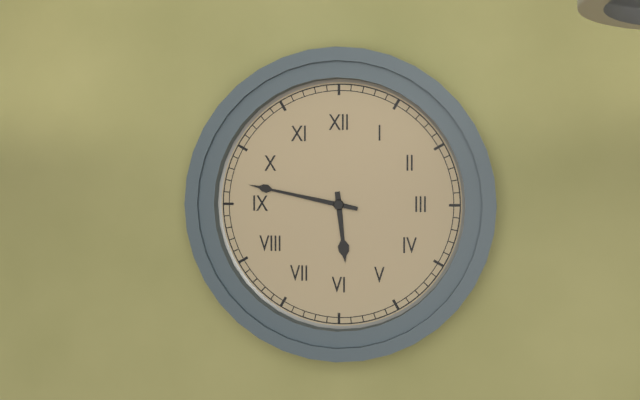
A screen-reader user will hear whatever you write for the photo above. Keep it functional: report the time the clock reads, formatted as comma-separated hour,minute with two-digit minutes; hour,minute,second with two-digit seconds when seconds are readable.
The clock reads 5,47
